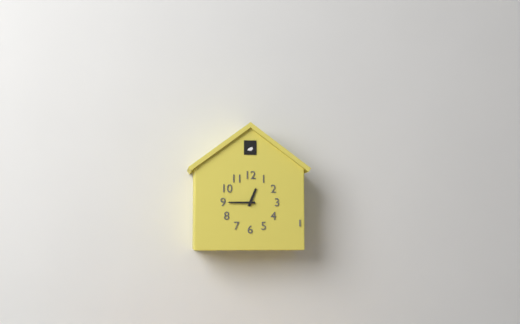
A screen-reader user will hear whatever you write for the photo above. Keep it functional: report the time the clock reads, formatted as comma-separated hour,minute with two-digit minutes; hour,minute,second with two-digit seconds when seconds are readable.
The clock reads 12,45
